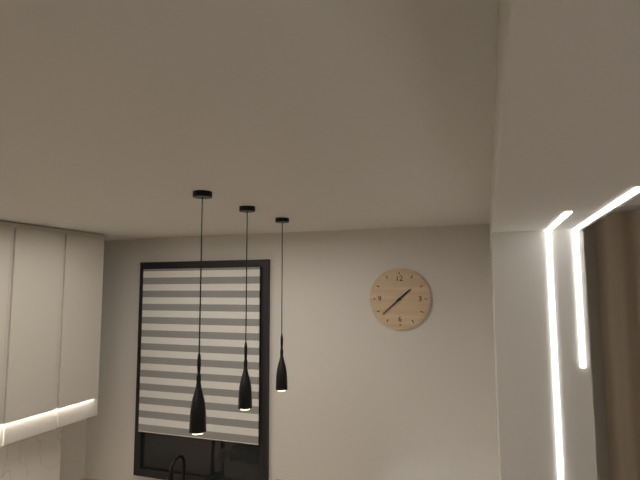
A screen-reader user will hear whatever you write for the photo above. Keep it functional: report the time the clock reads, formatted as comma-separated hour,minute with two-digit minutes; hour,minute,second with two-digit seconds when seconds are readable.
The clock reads 1,38
